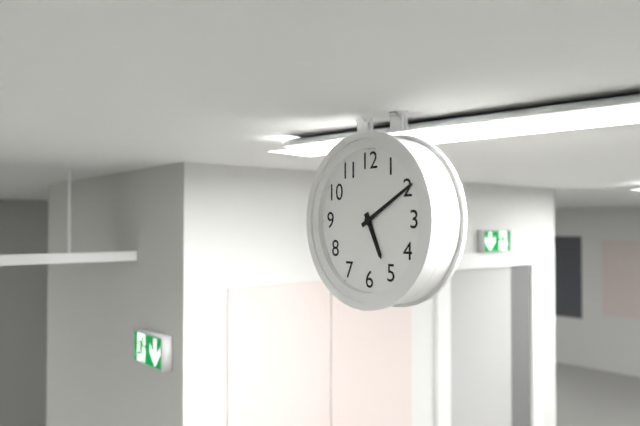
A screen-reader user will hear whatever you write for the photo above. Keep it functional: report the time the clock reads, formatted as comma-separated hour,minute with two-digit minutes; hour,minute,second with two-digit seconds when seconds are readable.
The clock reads 5,10
